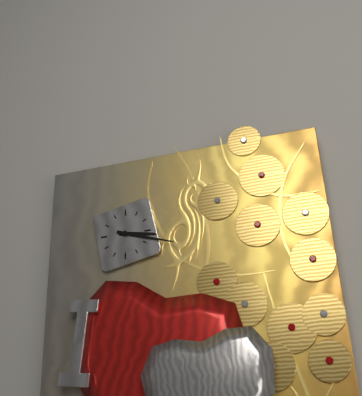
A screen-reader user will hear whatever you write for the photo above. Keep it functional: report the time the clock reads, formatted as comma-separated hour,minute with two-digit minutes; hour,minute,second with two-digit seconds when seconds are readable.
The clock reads 3,18
